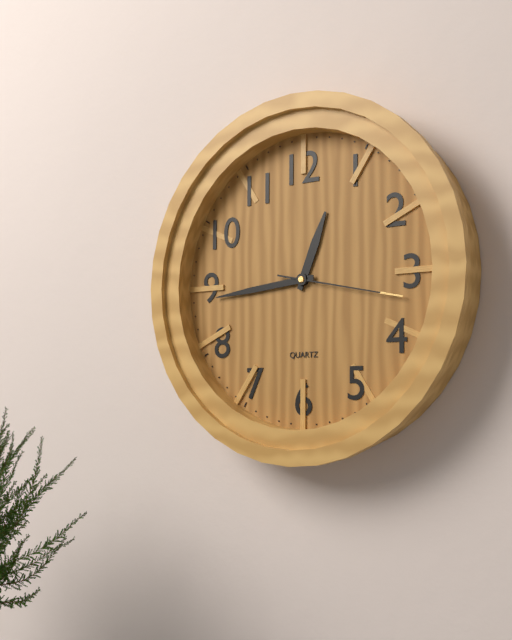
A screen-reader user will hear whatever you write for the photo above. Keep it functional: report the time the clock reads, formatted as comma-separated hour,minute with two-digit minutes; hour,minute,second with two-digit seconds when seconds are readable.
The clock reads 12,44,17
